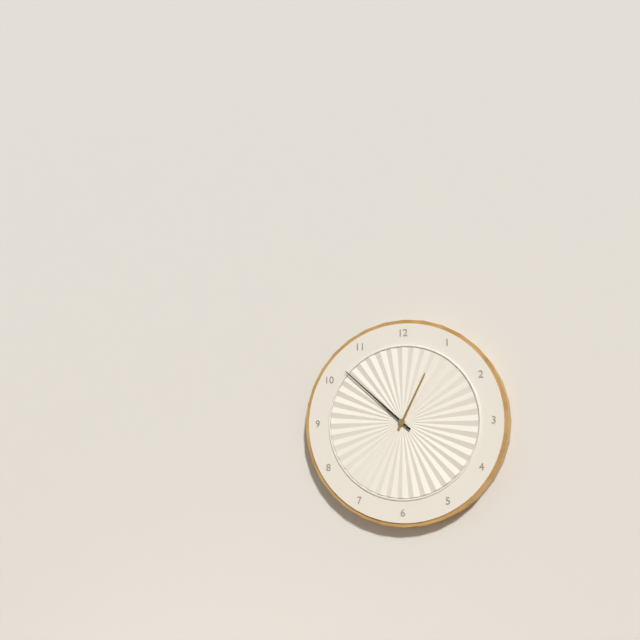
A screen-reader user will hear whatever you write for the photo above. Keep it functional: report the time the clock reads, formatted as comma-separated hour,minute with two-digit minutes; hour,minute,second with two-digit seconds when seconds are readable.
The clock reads 12,52
